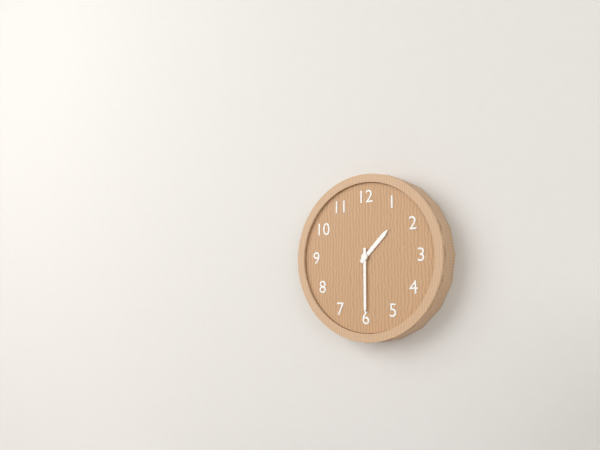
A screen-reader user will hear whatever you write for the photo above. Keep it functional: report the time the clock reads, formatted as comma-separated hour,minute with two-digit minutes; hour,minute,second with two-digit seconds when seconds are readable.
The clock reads 1,30
